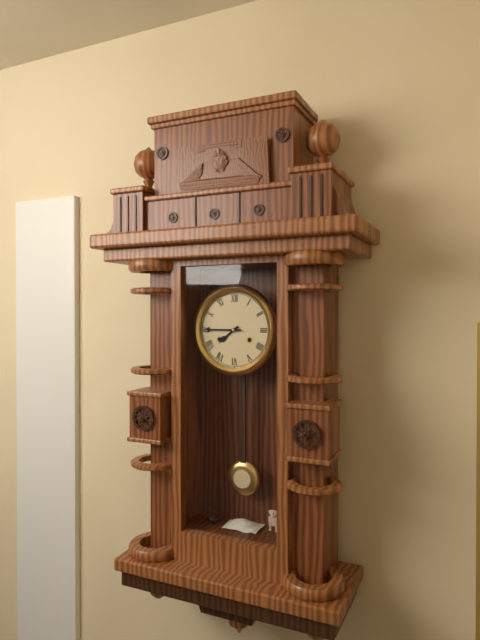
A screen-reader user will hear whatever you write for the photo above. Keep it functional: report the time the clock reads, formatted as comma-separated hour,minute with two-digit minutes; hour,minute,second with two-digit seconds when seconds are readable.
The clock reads 7,45
